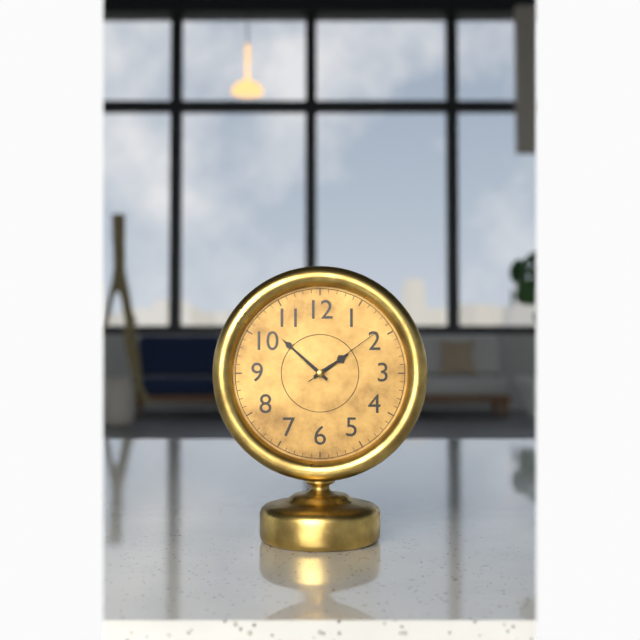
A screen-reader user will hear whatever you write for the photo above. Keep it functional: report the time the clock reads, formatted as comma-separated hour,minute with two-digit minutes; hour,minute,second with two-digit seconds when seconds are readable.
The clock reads 1,52,09
